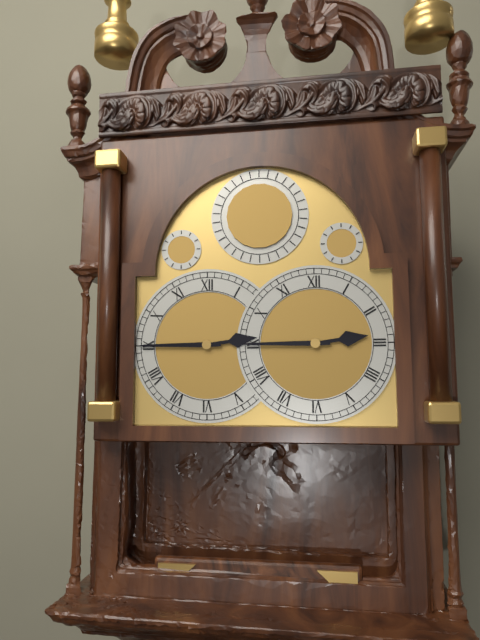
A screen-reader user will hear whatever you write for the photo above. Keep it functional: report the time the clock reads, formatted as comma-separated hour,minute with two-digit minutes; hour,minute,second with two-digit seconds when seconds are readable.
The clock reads 2,45
